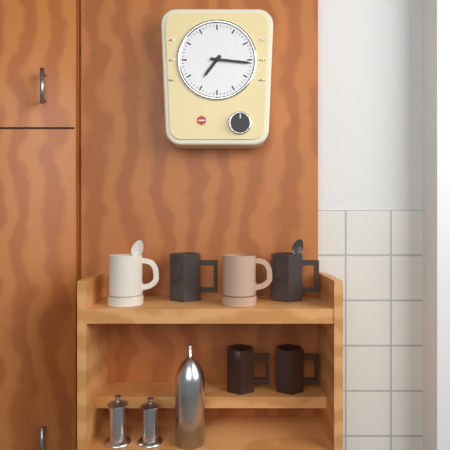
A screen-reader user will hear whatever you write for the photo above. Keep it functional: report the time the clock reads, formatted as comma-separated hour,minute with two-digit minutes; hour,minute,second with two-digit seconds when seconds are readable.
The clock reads 7,16
